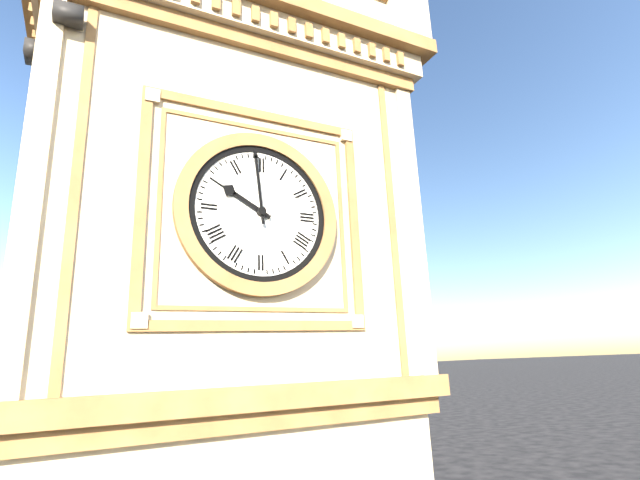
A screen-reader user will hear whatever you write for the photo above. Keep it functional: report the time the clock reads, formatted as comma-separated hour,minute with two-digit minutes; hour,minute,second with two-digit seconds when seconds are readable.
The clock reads 9,59
